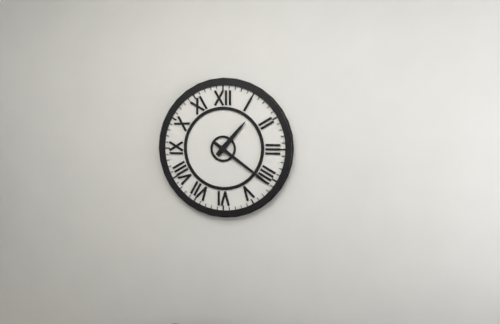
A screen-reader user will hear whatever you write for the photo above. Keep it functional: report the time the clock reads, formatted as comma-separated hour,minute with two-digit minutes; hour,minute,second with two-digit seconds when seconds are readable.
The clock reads 1,21
